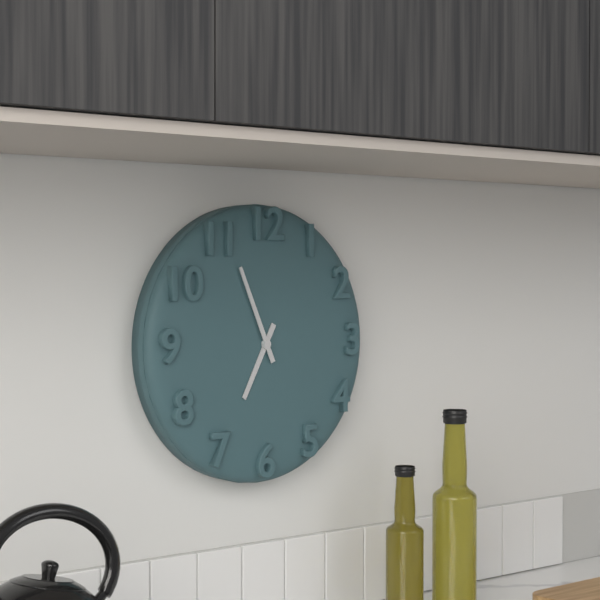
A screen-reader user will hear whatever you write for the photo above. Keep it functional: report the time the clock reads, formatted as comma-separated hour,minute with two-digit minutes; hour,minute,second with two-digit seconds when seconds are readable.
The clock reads 6,56
